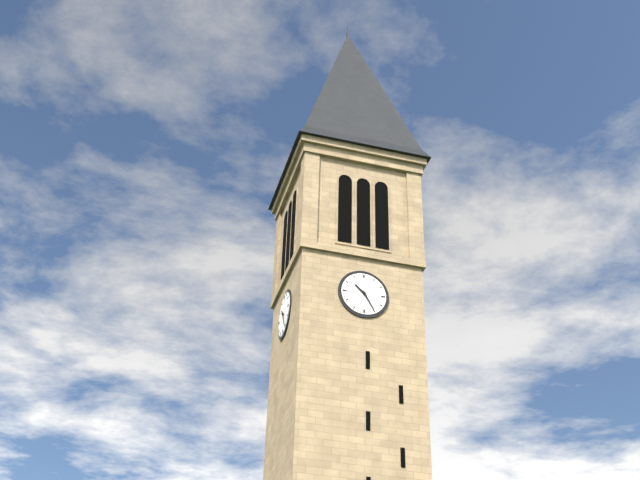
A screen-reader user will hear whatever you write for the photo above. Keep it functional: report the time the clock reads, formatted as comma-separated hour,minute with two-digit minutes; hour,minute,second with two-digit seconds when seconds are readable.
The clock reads 10,25
